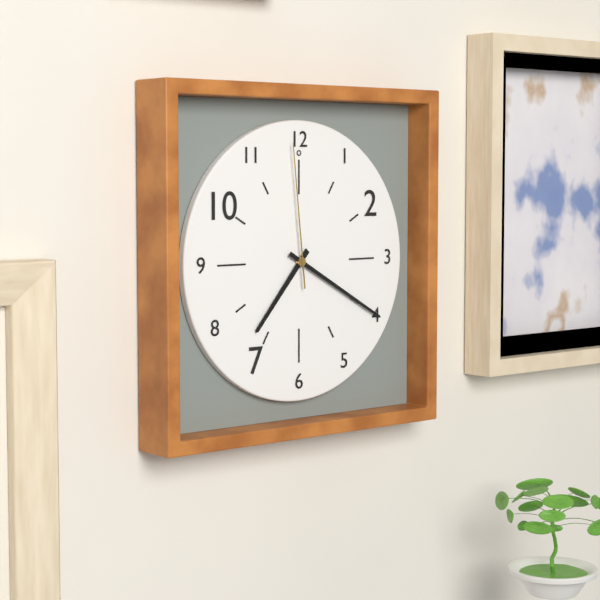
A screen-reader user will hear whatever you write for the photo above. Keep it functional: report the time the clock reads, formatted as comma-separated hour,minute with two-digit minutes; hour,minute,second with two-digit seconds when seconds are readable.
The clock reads 7,20,59
